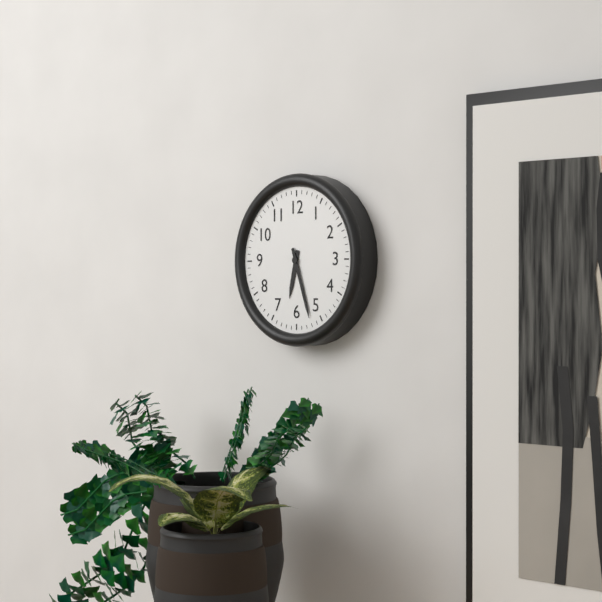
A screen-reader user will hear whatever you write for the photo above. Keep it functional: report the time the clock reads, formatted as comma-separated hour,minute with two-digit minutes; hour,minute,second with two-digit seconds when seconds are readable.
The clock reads 6,27
